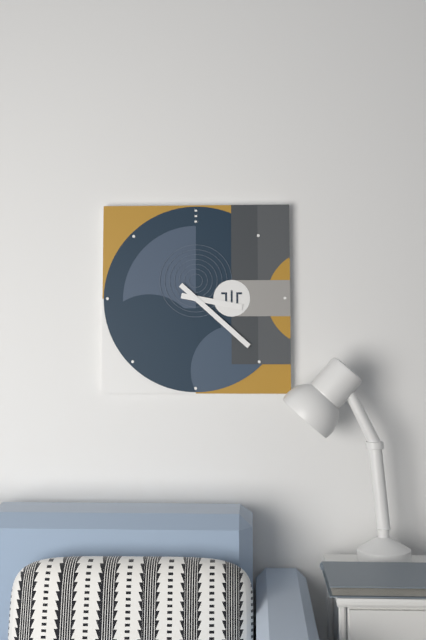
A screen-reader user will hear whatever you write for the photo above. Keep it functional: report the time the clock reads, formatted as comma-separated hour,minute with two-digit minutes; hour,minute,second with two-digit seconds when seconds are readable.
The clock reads 3,22
